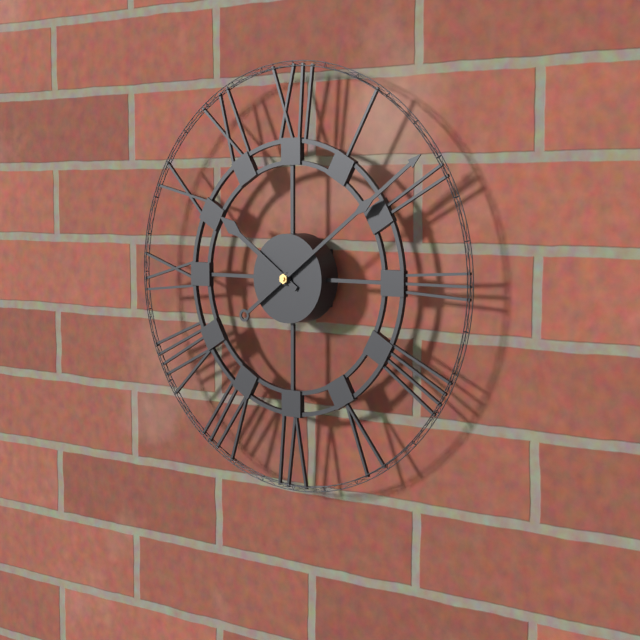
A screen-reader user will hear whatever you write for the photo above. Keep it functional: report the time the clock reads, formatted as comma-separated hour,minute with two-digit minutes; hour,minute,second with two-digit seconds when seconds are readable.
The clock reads 10,09
